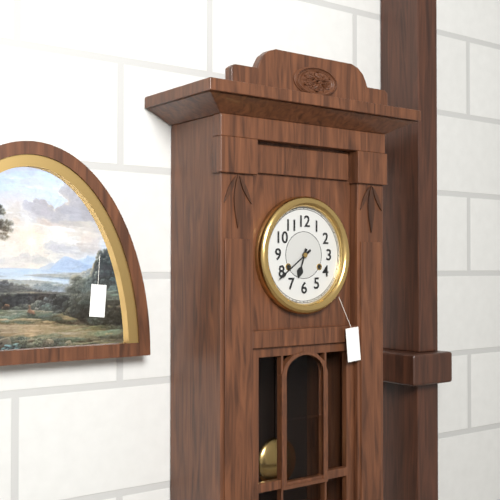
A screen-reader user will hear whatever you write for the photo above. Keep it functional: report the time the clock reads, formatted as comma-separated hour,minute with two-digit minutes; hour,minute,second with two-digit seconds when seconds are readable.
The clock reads 6,39
